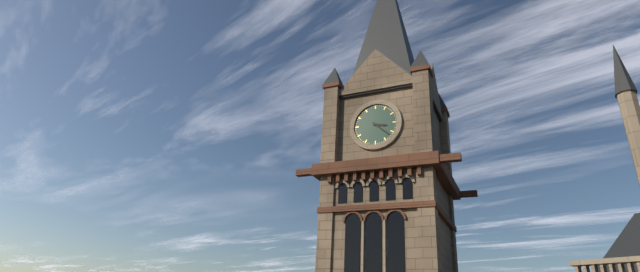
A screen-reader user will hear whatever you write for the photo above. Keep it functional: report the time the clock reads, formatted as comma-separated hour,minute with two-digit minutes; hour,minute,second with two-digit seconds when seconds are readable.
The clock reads 3,22
